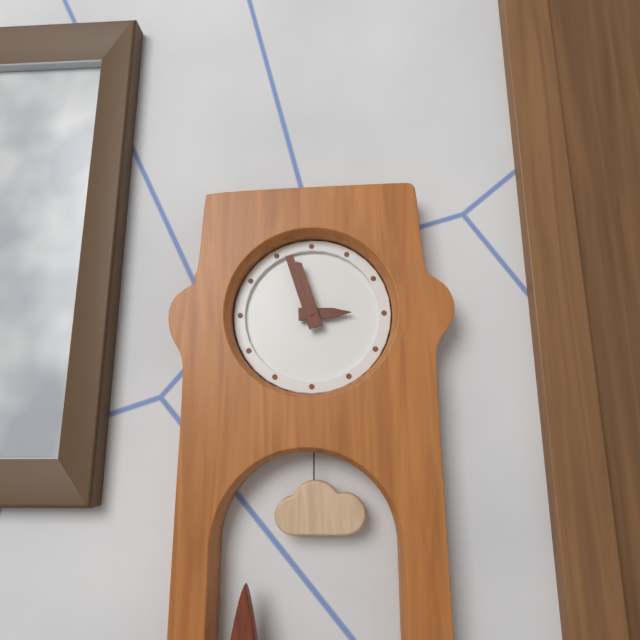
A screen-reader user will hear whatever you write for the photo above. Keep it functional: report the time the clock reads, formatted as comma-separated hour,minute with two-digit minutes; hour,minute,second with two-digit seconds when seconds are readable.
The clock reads 2,57
